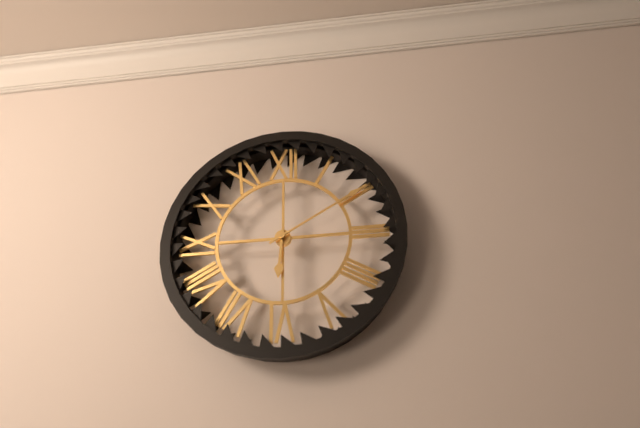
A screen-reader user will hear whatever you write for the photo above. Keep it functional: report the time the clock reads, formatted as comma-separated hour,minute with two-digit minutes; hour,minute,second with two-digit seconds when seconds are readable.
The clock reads 6,10
